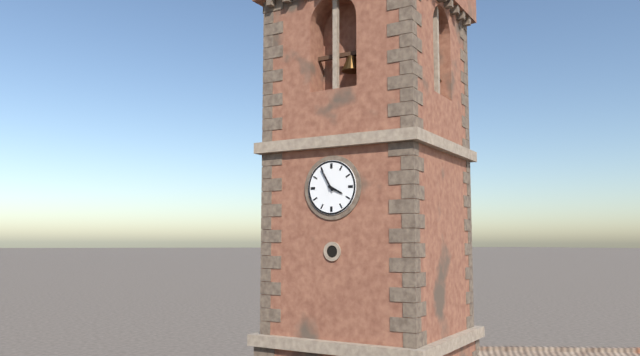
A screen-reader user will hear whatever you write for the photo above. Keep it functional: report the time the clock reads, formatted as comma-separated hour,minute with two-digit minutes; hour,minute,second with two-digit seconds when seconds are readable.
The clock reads 3,55
